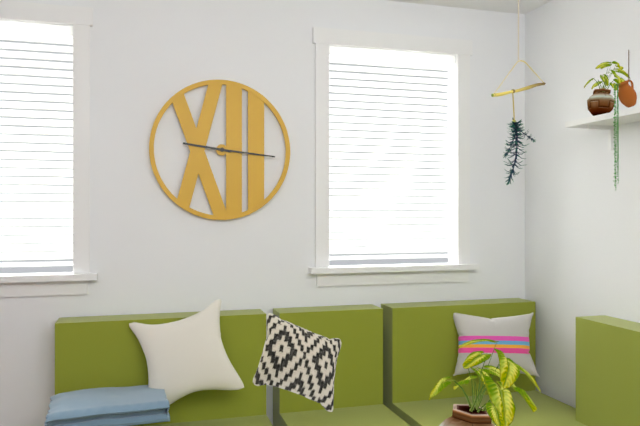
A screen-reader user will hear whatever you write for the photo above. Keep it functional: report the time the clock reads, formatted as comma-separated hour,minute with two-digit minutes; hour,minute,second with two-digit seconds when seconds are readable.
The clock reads 9,16
